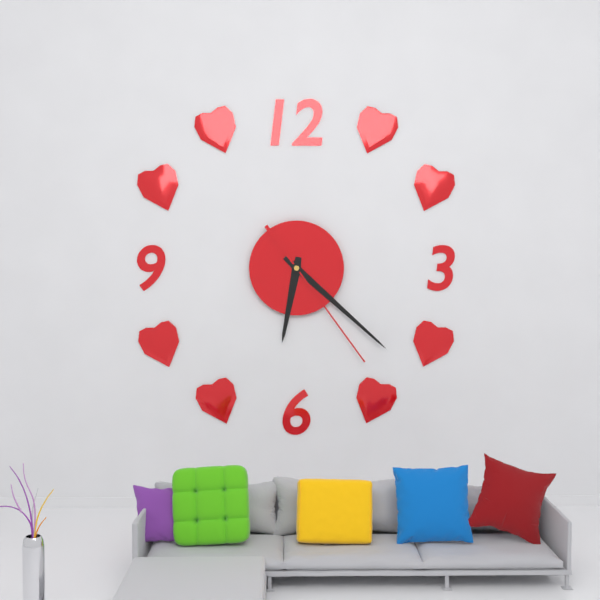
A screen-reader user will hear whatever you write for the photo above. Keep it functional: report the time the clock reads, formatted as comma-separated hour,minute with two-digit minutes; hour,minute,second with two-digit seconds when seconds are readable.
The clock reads 6,22,24
